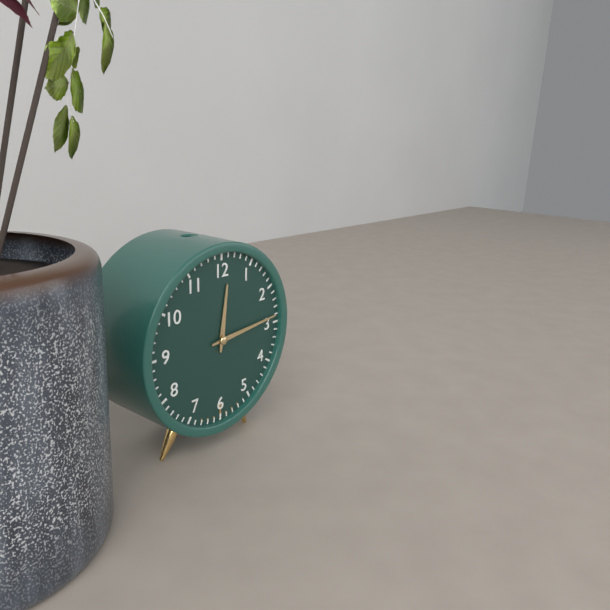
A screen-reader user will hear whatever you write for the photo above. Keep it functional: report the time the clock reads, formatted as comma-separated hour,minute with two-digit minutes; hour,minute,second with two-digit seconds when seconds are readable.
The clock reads 12,14
